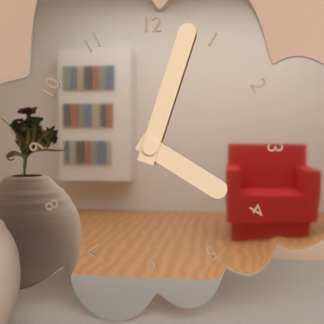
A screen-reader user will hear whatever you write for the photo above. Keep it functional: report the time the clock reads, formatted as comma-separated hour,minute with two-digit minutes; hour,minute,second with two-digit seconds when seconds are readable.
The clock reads 4,03
